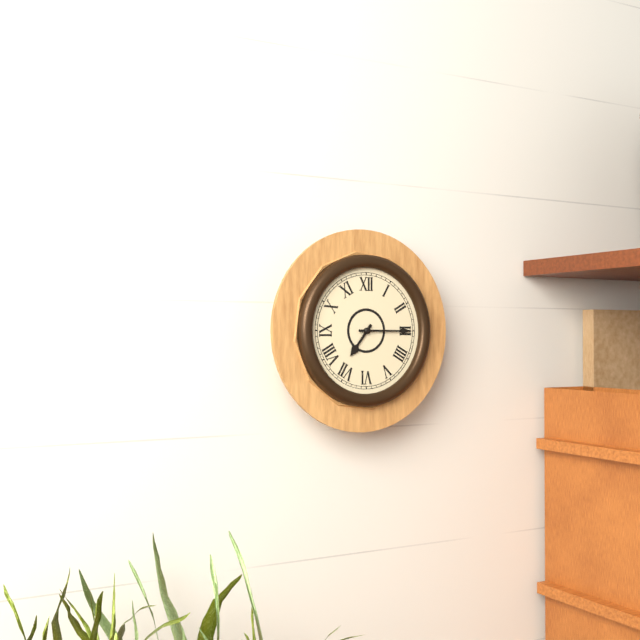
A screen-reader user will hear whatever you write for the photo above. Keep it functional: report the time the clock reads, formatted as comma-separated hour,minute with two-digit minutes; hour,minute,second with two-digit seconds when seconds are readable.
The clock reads 7,15
